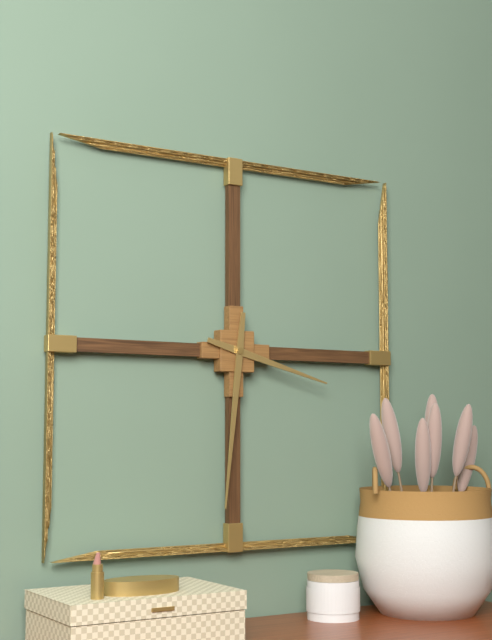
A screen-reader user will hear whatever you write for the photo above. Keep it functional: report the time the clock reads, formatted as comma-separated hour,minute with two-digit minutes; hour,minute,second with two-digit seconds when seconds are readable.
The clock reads 3,31
